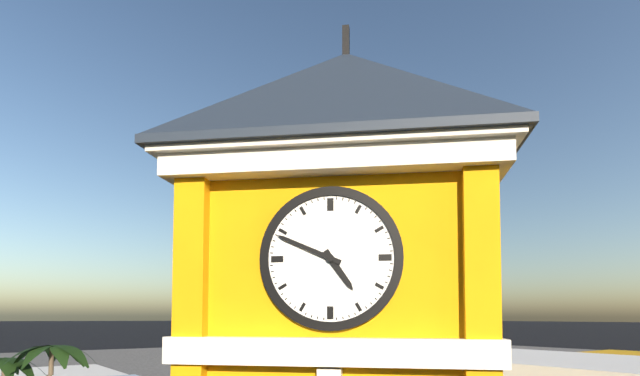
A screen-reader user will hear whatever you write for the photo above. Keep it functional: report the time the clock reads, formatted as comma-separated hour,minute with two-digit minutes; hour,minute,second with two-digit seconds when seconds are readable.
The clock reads 4,49
